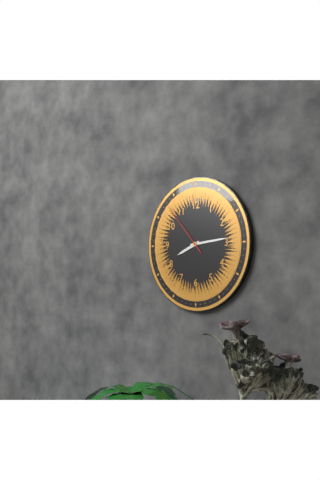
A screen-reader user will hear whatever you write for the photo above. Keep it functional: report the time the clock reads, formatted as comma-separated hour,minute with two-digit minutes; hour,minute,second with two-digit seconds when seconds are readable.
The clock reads 8,14,53
